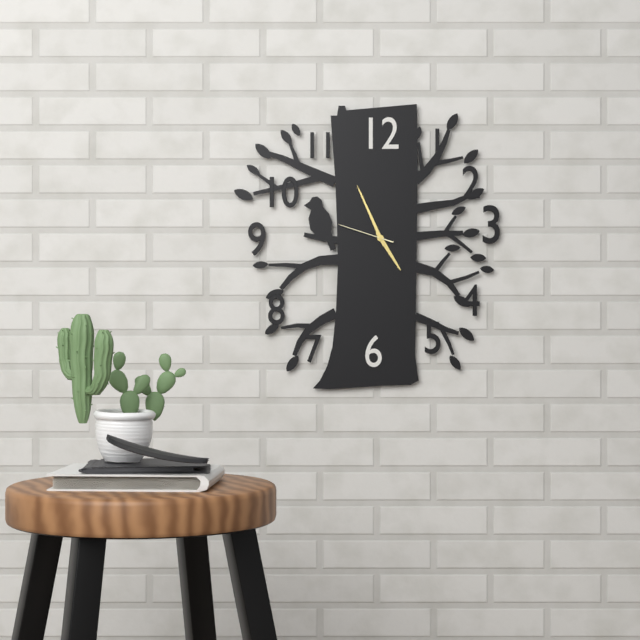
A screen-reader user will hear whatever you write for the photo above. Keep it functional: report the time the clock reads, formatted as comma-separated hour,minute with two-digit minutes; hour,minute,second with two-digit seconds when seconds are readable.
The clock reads 4,56,48
